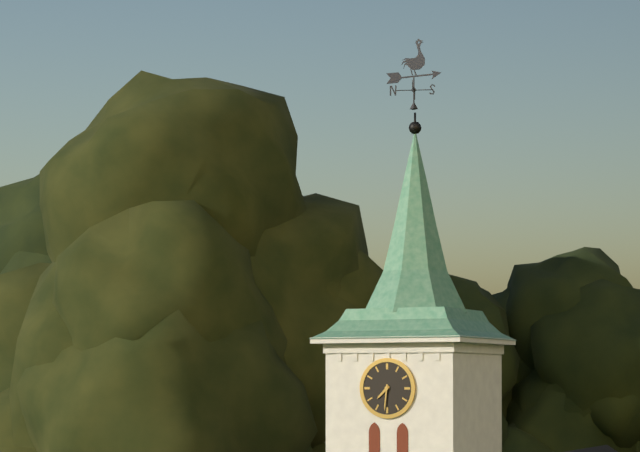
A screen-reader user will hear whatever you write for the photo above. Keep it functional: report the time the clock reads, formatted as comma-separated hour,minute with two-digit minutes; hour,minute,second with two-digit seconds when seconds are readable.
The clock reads 7,31
